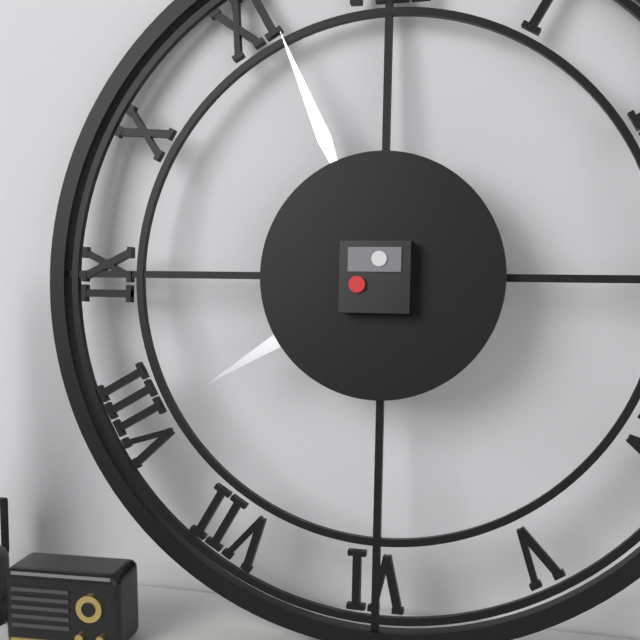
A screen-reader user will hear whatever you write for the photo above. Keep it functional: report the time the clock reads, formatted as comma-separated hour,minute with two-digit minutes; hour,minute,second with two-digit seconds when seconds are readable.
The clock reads 7,56
